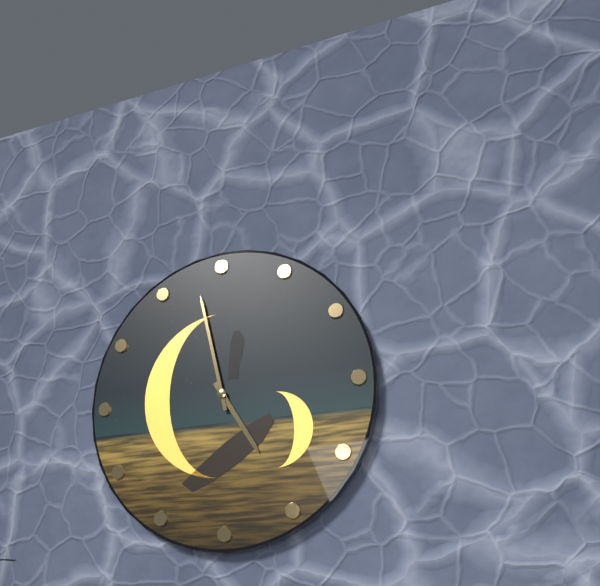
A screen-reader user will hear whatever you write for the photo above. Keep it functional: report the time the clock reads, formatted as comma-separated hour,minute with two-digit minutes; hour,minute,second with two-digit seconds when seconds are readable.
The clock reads 4,58
